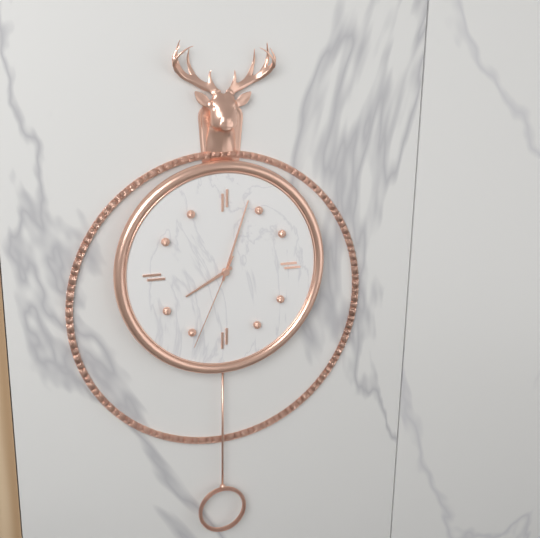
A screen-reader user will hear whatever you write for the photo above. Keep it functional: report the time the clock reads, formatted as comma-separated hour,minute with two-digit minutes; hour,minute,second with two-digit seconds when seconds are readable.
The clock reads 8,03,34
